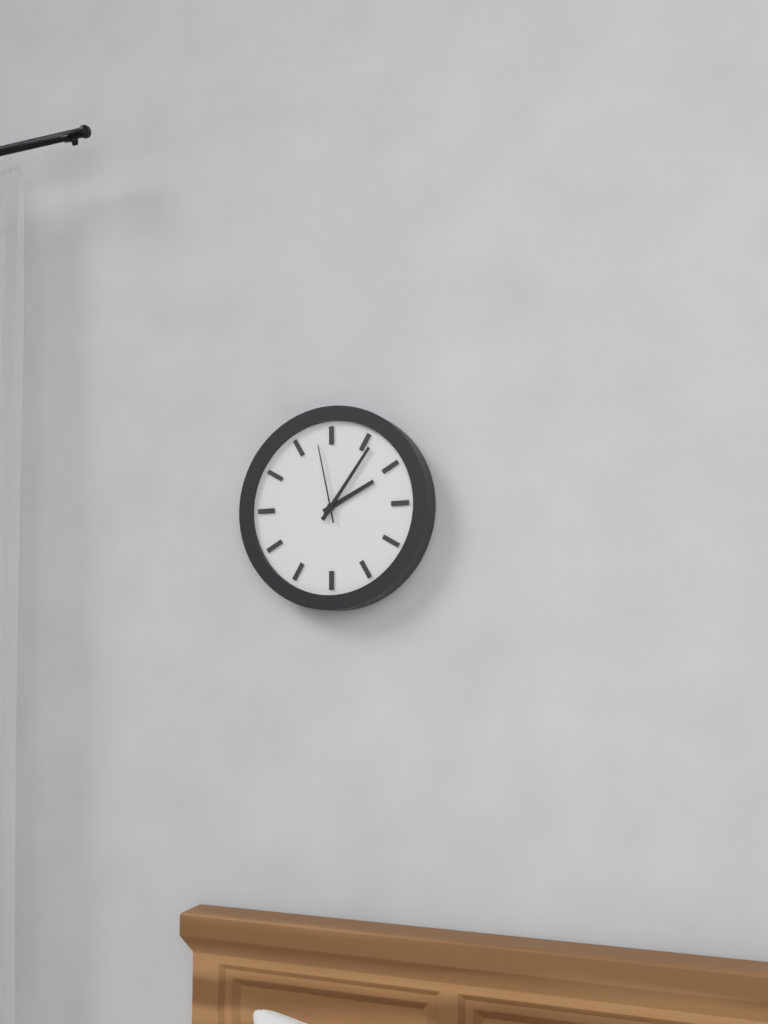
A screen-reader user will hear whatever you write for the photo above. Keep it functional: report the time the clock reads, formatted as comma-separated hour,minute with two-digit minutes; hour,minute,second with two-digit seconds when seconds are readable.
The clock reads 2,06,58
